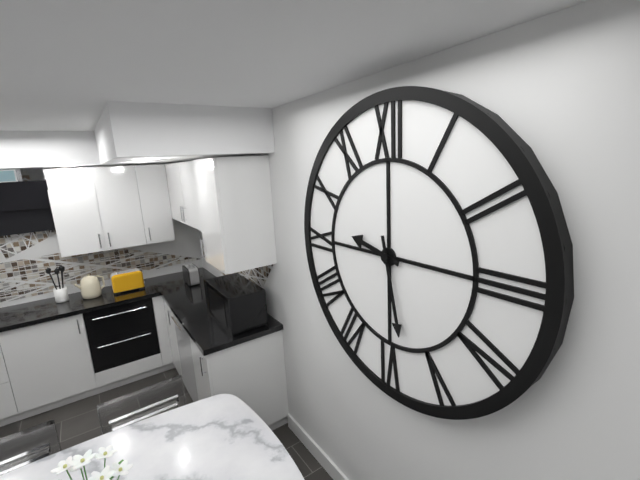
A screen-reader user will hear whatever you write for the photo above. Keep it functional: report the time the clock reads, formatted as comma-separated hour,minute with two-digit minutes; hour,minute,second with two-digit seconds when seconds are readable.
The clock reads 9,28
